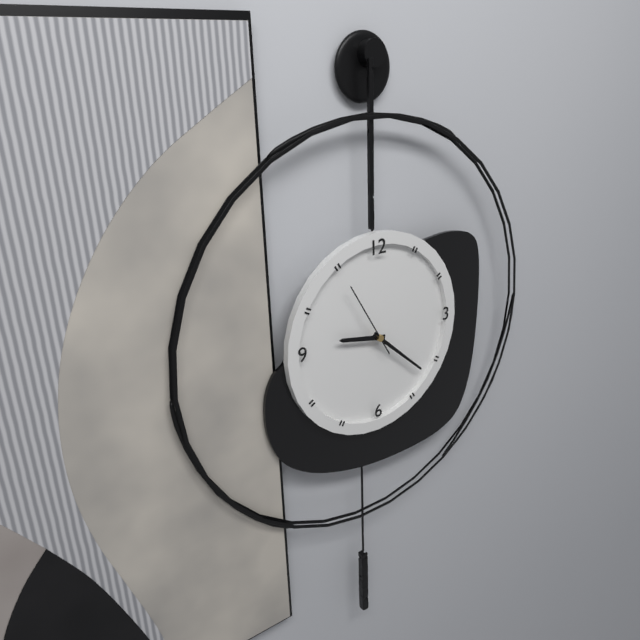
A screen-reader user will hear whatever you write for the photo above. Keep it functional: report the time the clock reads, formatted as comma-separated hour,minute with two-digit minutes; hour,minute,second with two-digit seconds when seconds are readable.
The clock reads 9,22,55
